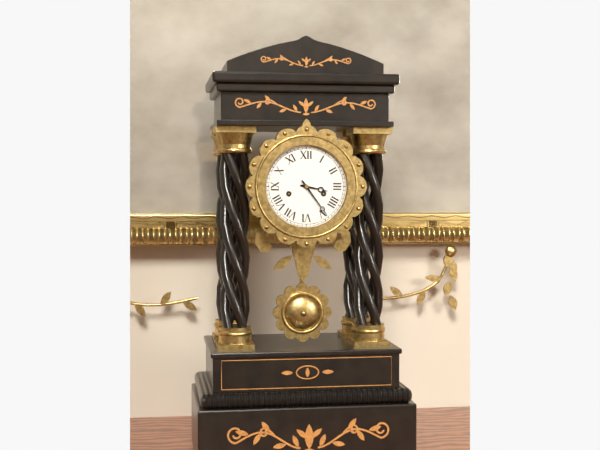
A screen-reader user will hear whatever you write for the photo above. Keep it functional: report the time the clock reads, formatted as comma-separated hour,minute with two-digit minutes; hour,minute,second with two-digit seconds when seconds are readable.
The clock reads 3,24
